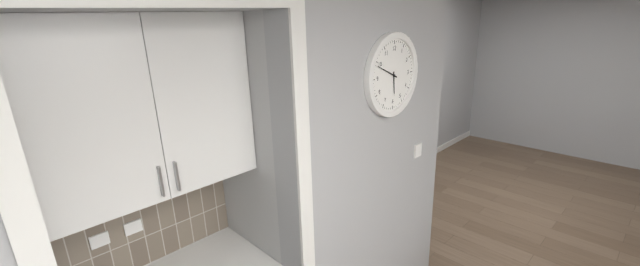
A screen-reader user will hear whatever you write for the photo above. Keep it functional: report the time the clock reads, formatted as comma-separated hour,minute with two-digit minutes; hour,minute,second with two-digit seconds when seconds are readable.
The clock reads 5,49
